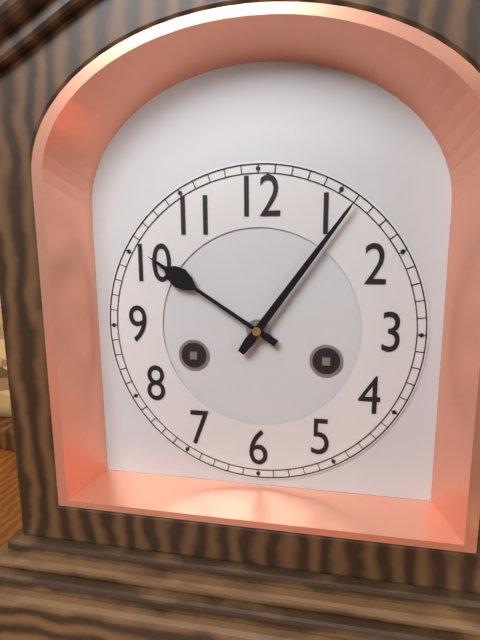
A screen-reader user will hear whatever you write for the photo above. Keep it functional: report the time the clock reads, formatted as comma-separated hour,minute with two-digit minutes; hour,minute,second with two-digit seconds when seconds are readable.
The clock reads 10,06
